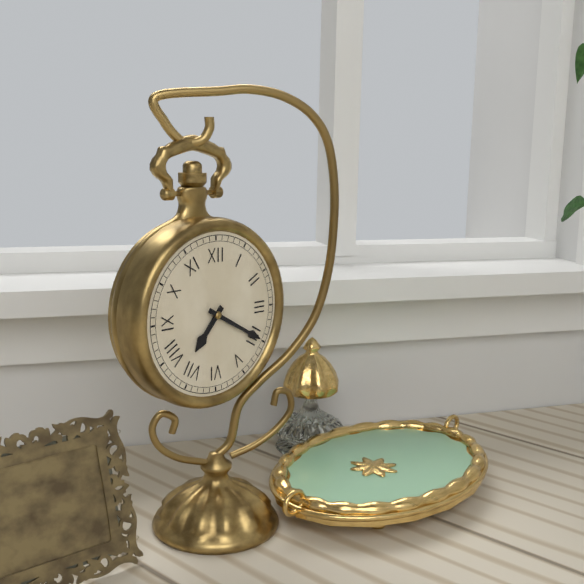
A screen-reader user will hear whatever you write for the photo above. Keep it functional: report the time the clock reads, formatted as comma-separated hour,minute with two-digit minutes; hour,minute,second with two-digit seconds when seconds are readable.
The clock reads 7,20
